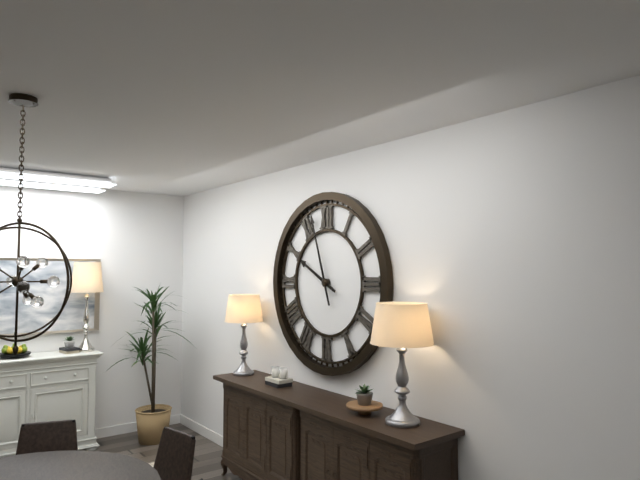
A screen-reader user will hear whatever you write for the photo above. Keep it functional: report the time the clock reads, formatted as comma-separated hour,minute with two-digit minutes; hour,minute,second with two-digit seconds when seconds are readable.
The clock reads 9,57
